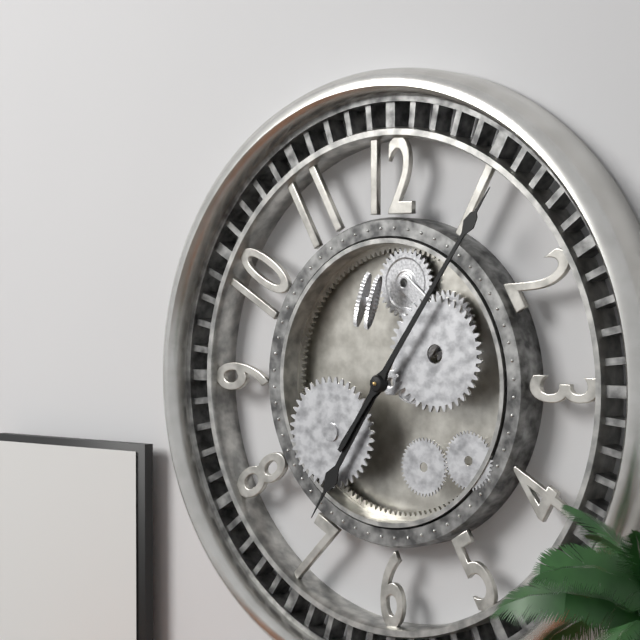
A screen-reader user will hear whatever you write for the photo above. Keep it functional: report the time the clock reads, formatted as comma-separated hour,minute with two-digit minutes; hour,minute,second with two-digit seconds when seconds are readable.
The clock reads 7,06
